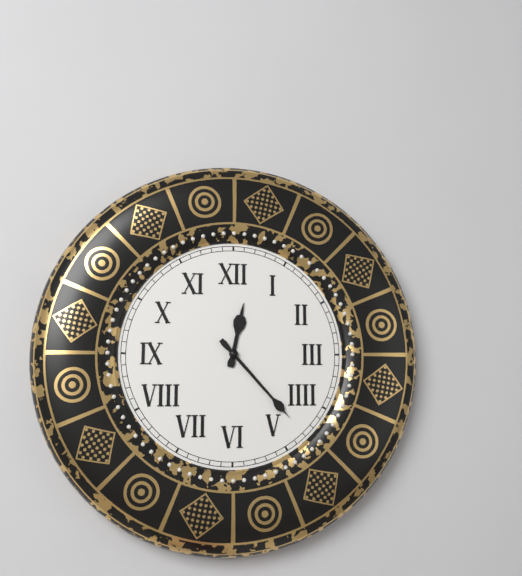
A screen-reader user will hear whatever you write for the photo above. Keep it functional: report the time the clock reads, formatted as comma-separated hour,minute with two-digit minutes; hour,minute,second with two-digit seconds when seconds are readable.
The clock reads 12,23
